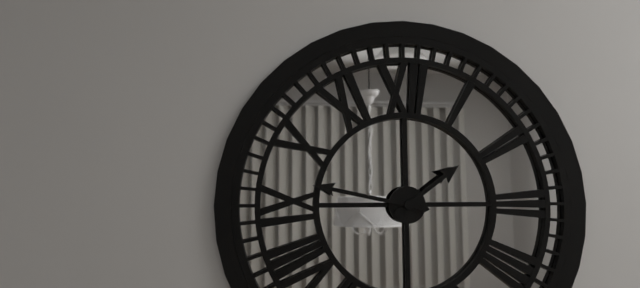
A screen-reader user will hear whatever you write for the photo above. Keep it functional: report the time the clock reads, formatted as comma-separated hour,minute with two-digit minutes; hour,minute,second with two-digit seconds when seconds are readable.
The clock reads 1,47
